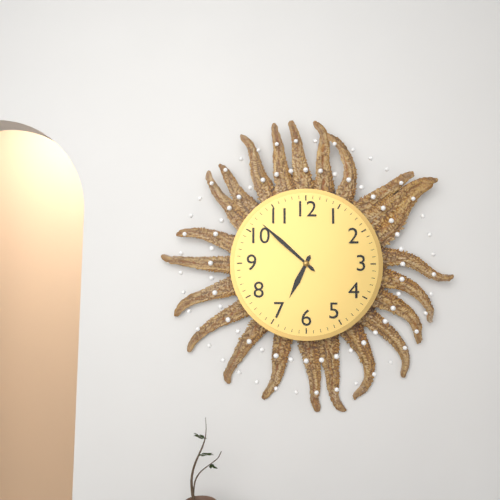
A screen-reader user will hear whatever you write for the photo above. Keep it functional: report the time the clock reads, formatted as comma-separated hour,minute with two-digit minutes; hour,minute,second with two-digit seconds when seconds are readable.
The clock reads 6,52
